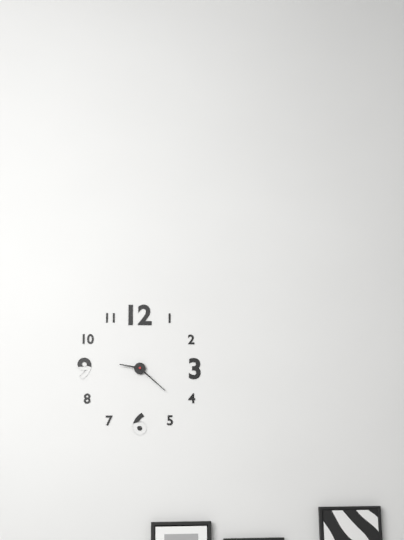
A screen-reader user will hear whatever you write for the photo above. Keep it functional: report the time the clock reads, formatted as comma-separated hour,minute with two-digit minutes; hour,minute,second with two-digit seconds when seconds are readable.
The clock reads 9,22
